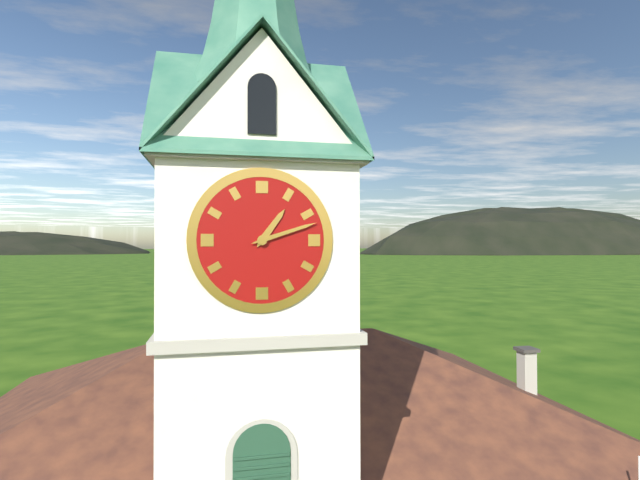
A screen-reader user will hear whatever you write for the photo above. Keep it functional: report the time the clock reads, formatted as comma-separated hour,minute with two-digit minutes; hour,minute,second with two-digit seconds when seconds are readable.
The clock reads 1,12
